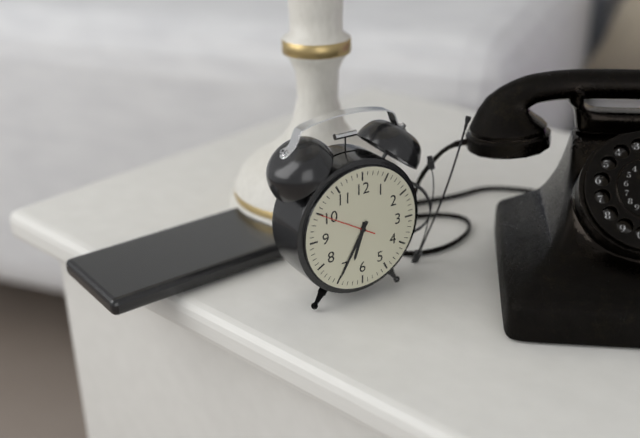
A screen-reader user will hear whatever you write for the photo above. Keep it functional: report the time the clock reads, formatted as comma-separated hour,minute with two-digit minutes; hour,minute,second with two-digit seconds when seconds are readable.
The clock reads 6,35,50
